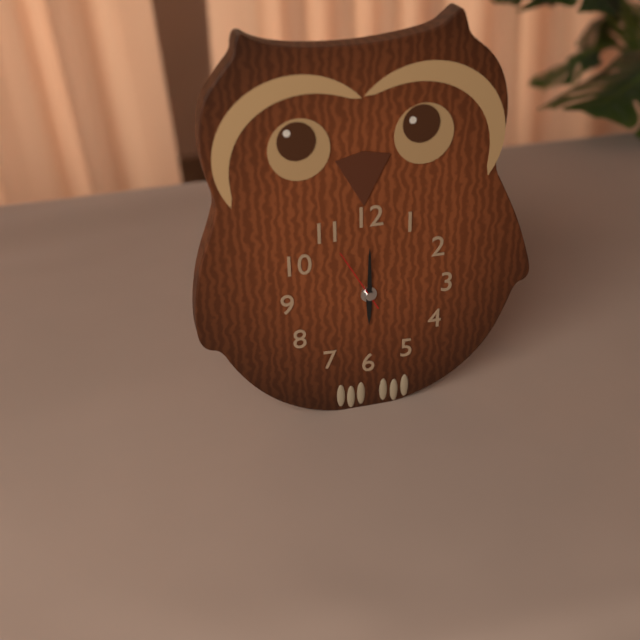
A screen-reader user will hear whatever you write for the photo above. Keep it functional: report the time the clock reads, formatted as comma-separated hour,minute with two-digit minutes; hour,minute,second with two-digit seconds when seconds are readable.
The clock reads 6,00,55
